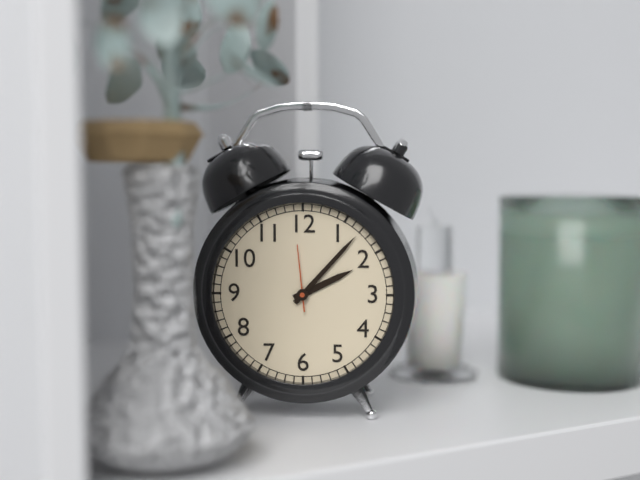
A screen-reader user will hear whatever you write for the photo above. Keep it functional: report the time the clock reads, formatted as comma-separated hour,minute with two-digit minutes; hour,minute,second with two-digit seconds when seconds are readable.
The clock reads 2,07,59
